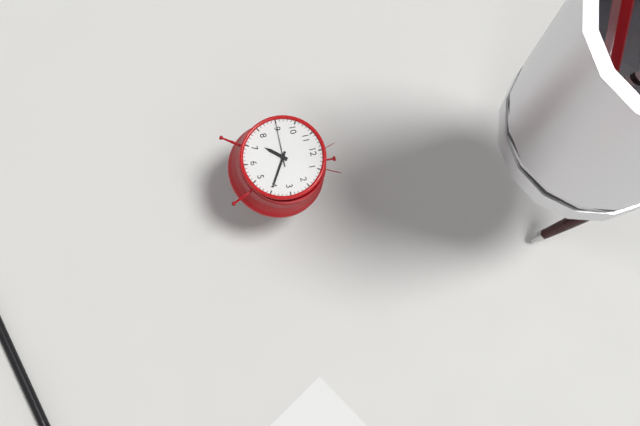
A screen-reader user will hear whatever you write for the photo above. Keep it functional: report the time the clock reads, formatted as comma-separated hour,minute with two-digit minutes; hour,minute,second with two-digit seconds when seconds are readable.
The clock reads 7,20
